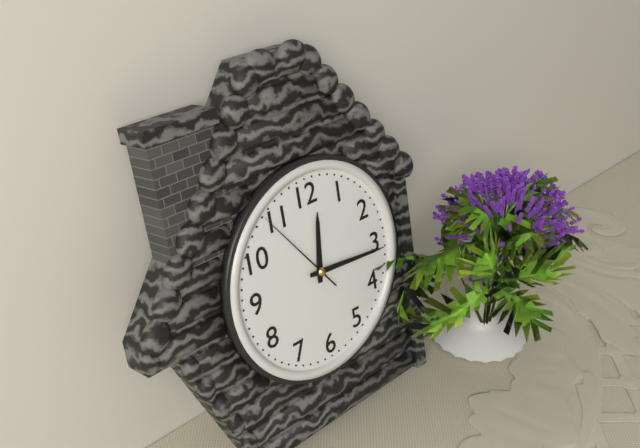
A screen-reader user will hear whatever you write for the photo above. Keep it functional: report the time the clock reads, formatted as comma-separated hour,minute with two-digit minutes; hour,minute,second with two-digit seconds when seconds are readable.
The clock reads 12,16,54
